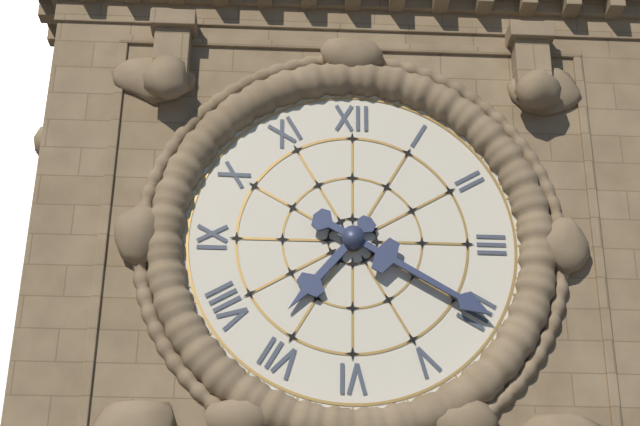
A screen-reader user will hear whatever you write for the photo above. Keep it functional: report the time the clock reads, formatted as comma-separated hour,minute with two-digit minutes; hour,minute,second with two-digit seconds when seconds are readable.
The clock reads 7,20
